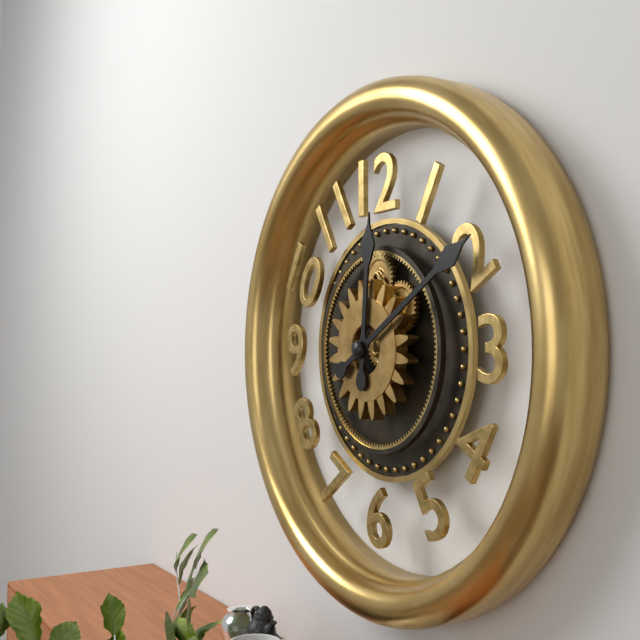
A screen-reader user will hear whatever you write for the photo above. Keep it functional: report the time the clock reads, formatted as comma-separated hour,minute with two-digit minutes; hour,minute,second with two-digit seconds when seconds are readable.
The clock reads 12,10
